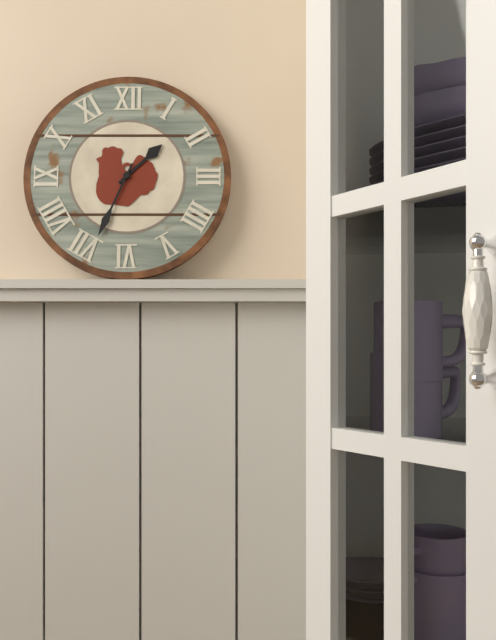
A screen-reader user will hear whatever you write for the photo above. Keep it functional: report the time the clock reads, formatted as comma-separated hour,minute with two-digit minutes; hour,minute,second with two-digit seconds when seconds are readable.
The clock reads 1,34
